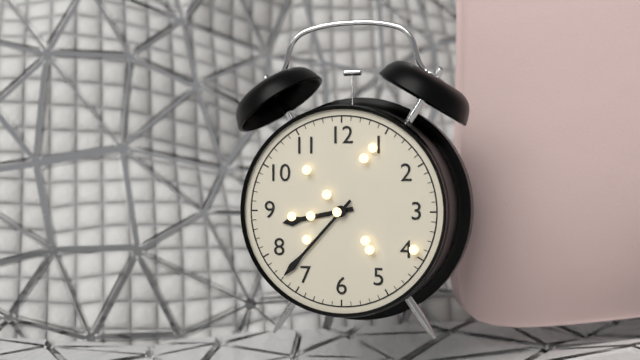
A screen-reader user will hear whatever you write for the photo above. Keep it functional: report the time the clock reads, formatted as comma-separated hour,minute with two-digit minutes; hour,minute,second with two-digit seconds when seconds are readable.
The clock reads 8,37
